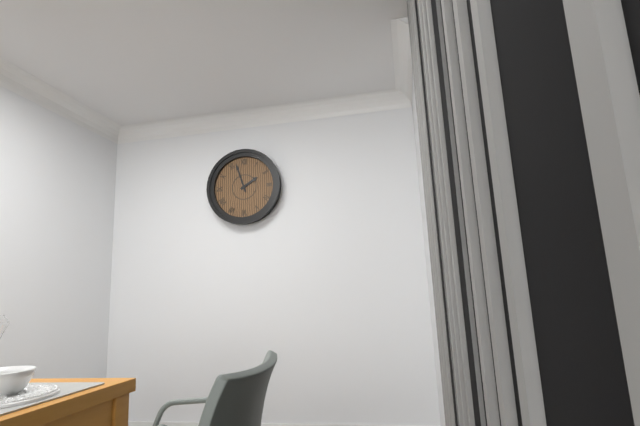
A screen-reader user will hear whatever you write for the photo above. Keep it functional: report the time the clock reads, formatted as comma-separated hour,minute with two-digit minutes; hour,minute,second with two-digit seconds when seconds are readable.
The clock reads 1,57
